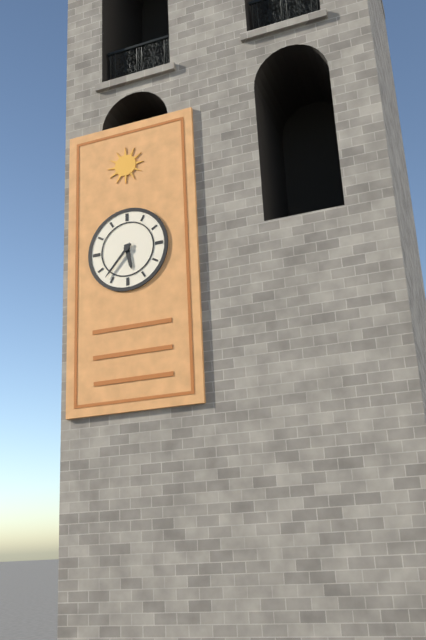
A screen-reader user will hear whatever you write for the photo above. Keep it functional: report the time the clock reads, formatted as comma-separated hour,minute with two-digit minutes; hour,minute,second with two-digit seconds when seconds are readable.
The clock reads 5,37
